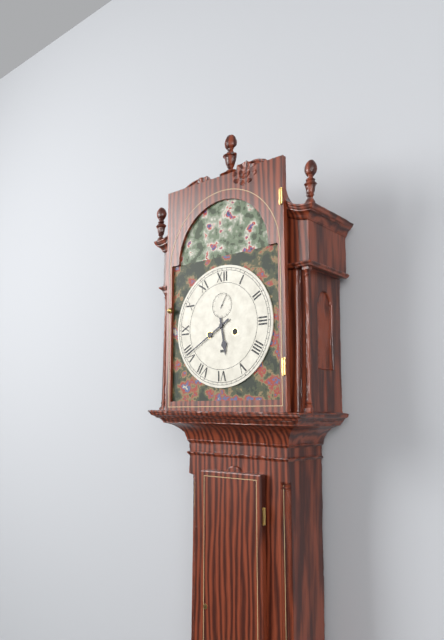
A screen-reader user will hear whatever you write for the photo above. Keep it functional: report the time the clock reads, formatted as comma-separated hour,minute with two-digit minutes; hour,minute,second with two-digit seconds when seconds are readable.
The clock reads 5,40
